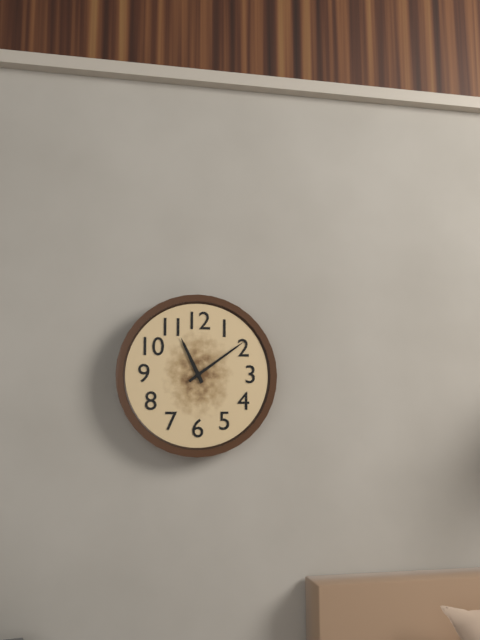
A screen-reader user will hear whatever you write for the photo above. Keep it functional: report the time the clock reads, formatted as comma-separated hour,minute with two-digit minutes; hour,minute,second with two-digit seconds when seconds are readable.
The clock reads 11,09
